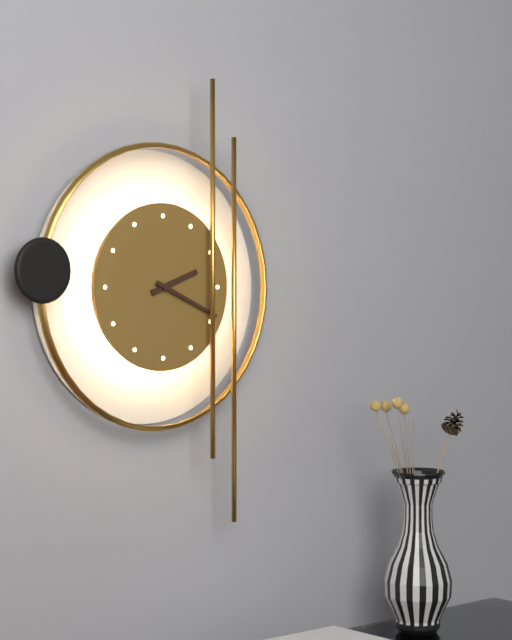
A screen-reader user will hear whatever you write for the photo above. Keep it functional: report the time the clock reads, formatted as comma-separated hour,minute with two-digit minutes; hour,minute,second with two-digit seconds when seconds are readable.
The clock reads 2,19
